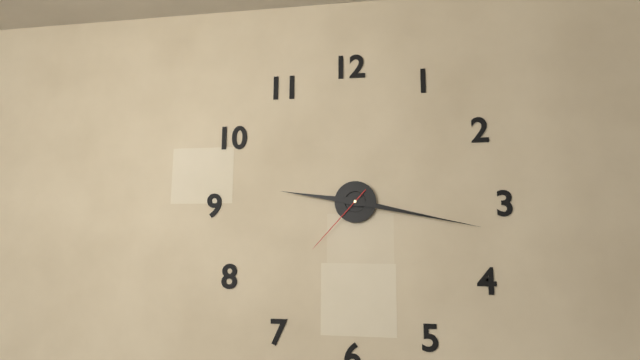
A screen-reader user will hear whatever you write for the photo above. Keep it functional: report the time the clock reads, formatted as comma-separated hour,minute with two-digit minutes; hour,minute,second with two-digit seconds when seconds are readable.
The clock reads 9,17,37
